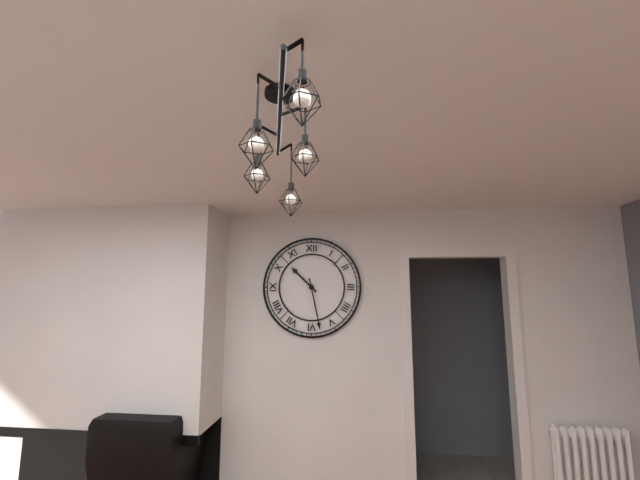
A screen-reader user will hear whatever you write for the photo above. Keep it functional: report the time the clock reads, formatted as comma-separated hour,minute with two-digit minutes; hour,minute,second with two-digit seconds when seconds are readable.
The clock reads 10,28
